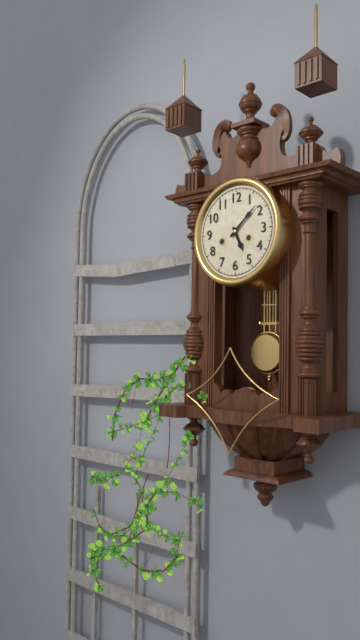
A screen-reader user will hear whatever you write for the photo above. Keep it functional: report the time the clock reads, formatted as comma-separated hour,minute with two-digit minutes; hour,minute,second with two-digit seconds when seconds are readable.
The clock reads 5,08
